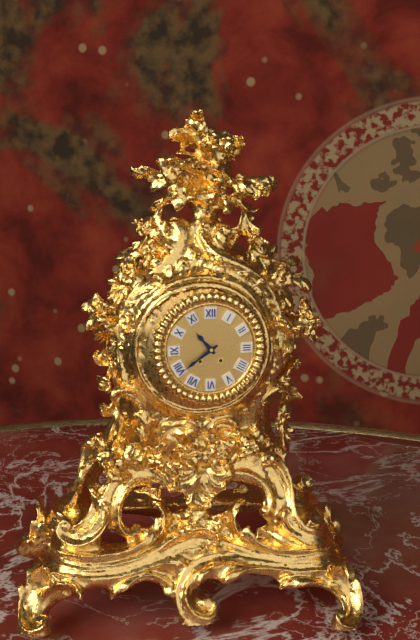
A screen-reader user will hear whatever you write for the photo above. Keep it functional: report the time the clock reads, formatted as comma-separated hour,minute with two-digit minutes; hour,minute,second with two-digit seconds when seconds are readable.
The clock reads 10,39
